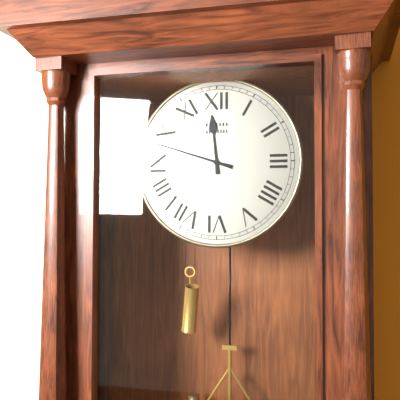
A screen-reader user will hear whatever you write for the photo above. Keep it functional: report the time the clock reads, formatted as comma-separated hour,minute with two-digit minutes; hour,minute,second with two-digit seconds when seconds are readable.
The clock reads 11,48
